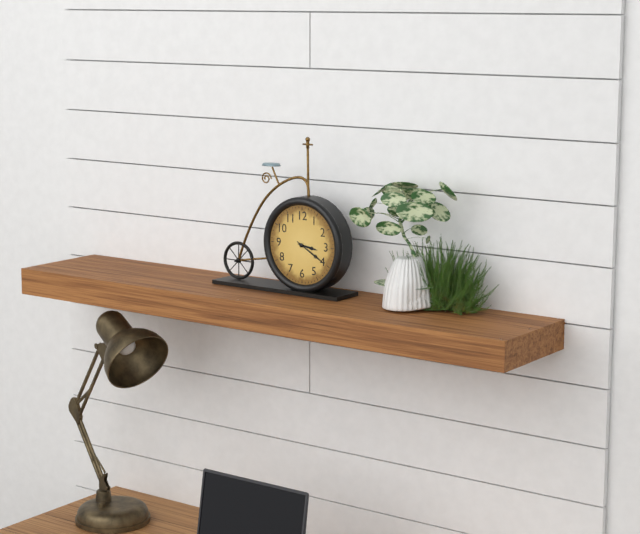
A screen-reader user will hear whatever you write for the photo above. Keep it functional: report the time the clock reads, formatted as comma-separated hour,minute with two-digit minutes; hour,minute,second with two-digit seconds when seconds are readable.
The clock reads 3,20
